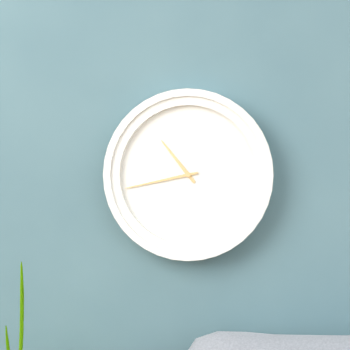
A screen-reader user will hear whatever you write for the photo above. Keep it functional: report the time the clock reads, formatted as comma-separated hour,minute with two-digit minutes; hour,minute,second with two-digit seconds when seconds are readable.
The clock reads 10,43
